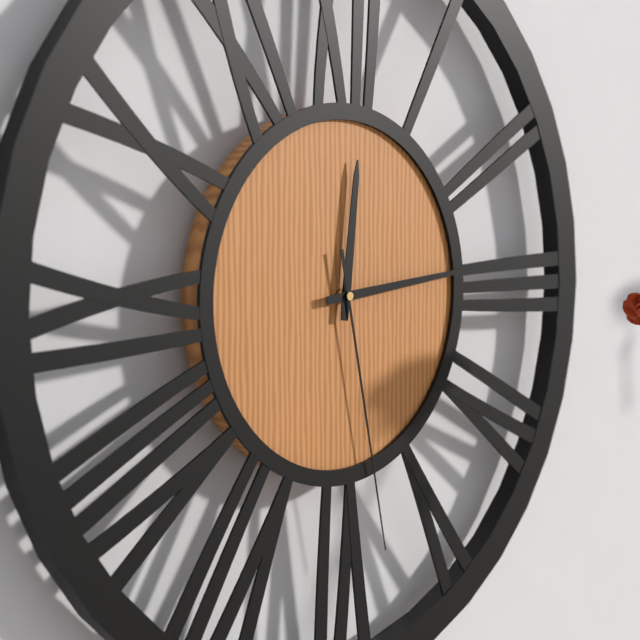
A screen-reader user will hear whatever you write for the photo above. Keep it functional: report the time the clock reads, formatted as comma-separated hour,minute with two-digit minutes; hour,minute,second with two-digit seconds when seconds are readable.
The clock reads 12,14,28
